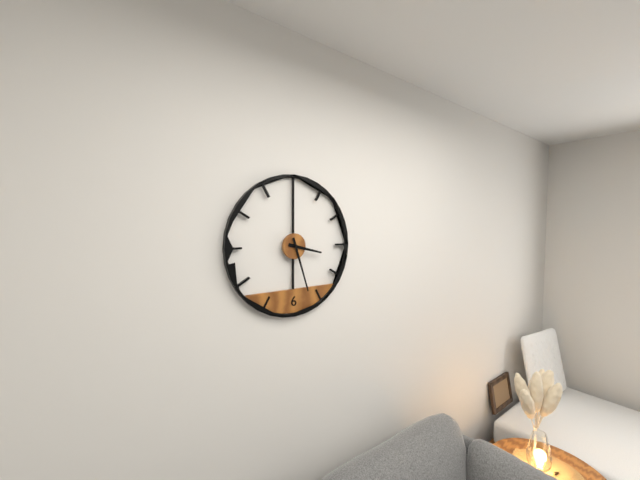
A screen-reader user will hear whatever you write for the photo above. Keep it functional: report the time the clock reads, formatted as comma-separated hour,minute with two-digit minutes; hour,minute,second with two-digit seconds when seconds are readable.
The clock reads 3,27
